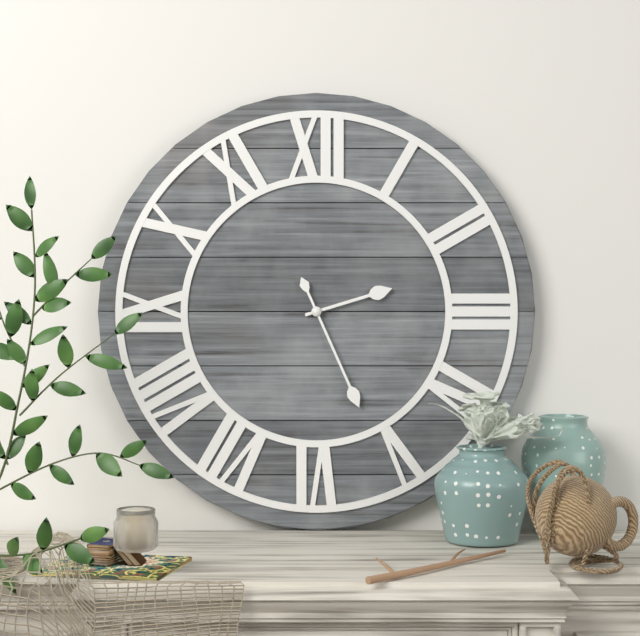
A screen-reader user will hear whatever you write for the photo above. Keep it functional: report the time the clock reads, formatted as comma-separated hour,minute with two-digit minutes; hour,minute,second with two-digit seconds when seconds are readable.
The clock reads 2,26
